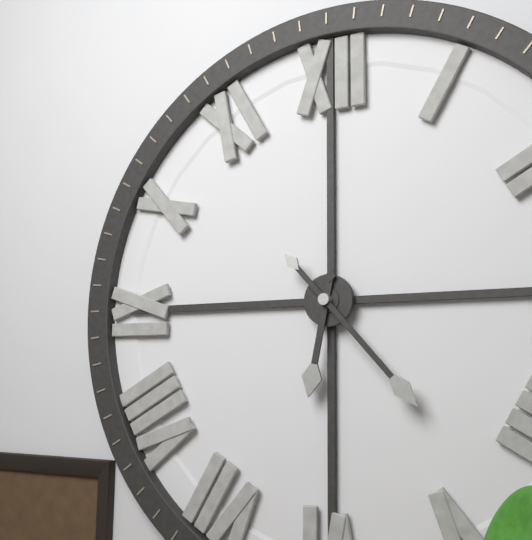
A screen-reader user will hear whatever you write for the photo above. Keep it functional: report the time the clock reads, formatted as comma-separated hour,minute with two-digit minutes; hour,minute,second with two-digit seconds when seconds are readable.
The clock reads 6,23
